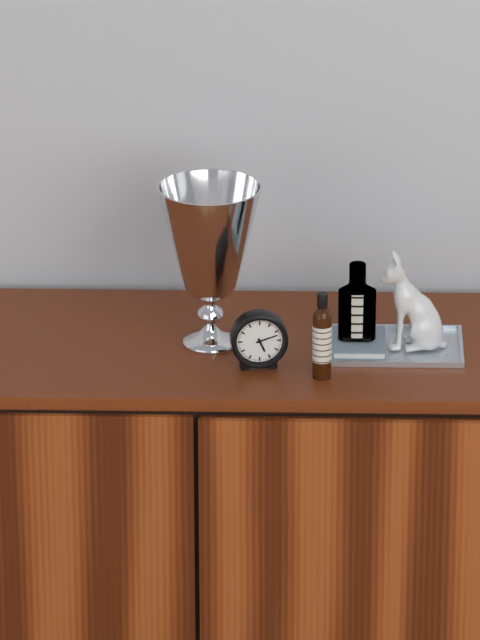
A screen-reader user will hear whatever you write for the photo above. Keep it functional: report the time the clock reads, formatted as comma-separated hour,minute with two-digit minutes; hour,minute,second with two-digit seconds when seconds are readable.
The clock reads 5,12
